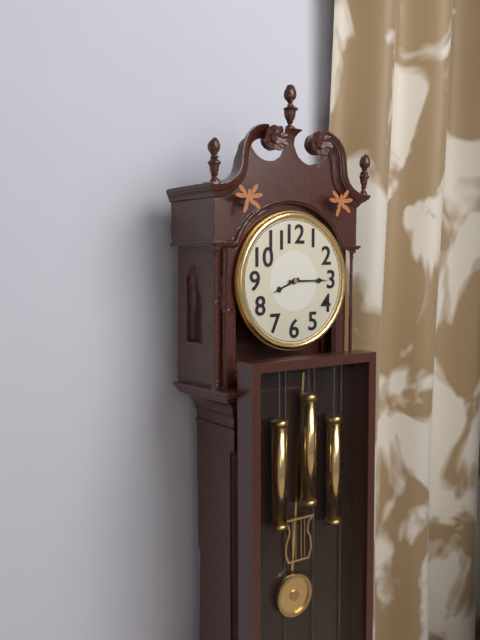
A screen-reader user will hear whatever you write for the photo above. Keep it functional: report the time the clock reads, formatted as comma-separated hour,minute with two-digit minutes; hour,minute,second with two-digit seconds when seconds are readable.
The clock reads 8,15
